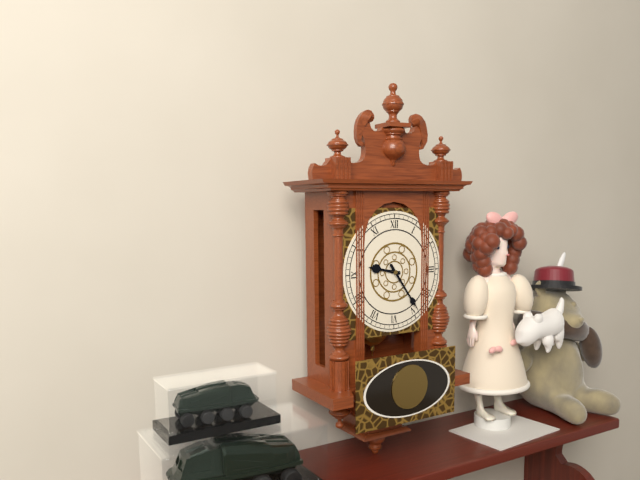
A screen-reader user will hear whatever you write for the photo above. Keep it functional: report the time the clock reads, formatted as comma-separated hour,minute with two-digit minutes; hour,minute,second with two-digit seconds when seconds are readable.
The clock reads 9,24
